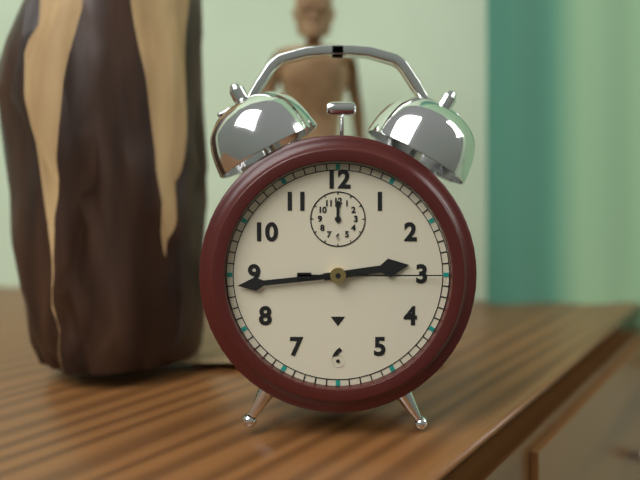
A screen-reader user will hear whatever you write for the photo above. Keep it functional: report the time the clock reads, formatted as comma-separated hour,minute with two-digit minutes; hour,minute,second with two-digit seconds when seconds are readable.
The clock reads 2,44,15
